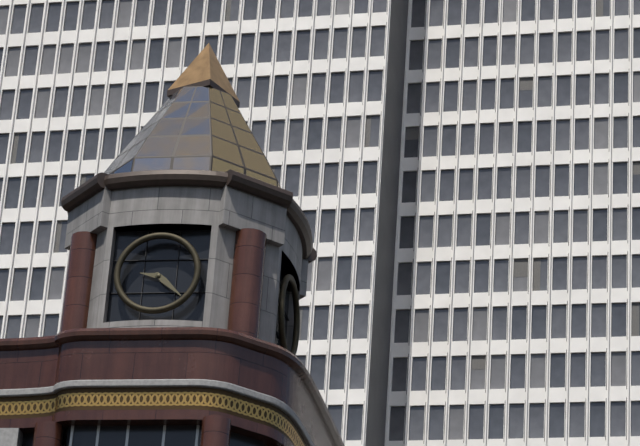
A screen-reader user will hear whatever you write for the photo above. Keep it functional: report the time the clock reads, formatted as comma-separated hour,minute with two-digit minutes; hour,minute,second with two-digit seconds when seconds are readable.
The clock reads 9,22
